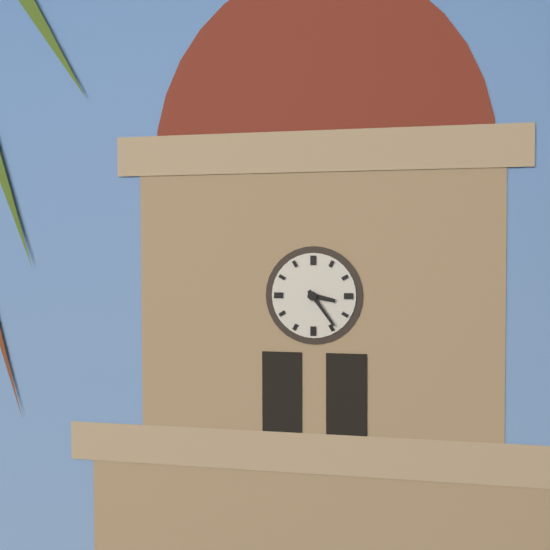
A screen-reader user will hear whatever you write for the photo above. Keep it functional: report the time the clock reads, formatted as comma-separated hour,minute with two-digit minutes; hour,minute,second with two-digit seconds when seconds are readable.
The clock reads 3,24
